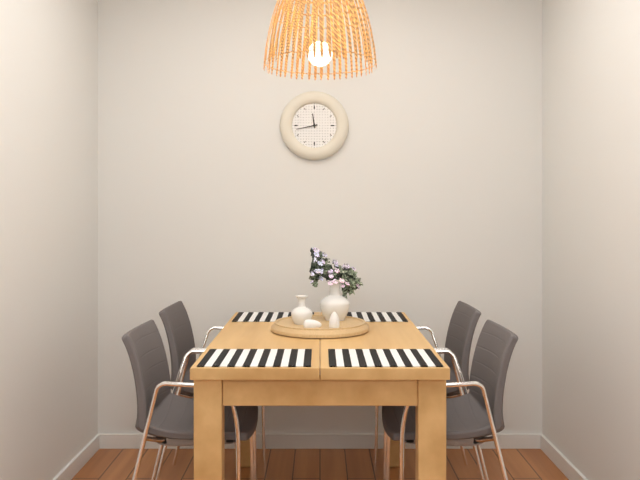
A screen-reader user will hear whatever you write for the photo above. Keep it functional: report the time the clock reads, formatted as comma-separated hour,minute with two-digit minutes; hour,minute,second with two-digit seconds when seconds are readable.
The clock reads 11,43
